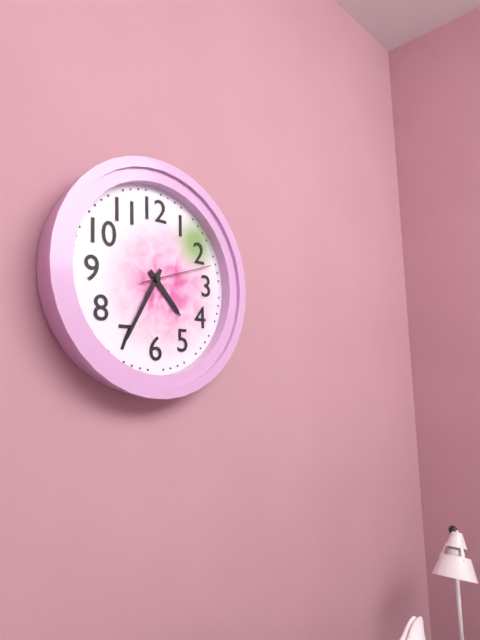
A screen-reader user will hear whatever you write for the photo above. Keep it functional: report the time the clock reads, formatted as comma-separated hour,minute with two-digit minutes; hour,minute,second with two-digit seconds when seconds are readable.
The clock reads 4,35,12
